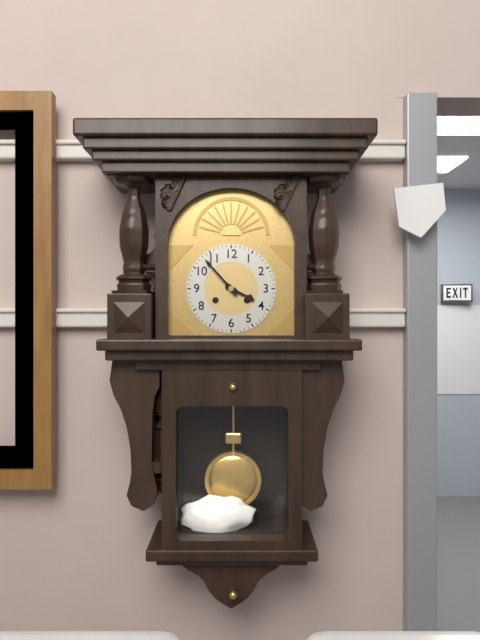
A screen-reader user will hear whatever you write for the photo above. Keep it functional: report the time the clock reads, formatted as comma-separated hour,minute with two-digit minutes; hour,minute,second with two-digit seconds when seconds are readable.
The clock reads 3,53
